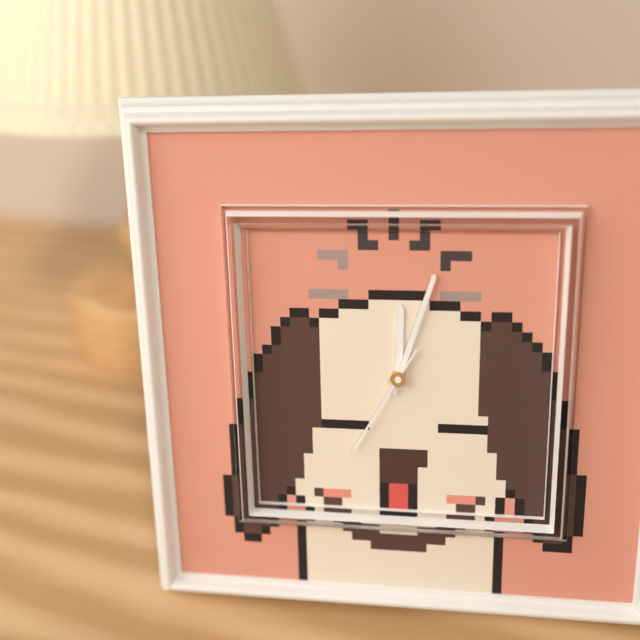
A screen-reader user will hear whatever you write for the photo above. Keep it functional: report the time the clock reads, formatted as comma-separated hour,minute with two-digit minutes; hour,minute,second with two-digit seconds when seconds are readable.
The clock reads 12,03,35
